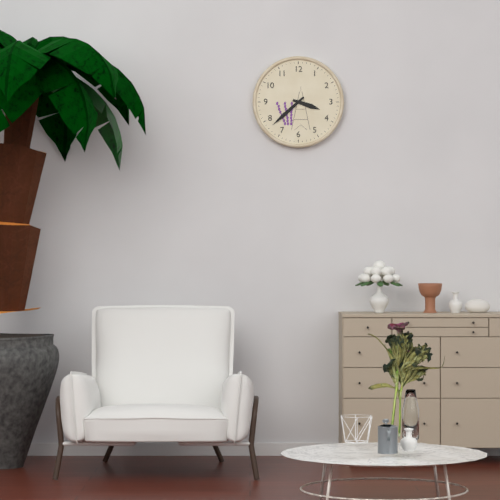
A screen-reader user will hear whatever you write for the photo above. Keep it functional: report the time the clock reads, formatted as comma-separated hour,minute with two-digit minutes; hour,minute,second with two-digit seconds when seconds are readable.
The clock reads 3,38
